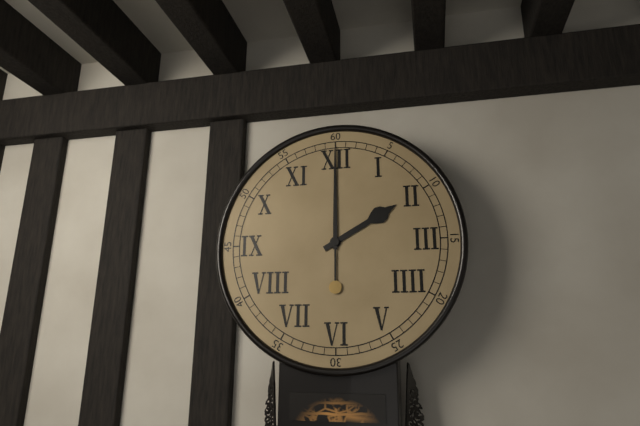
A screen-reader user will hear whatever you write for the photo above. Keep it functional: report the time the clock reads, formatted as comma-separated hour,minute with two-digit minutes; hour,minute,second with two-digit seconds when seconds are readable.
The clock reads 2,00
